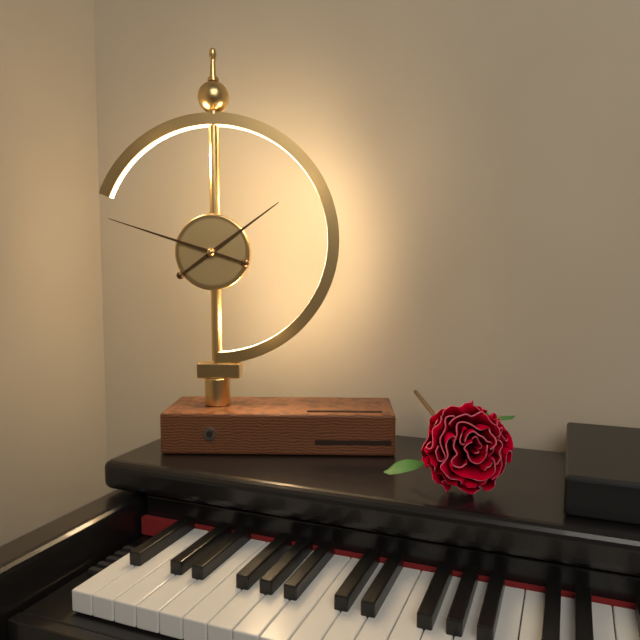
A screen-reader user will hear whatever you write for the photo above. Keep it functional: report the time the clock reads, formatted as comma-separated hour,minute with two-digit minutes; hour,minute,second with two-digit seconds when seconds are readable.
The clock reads 1,48
